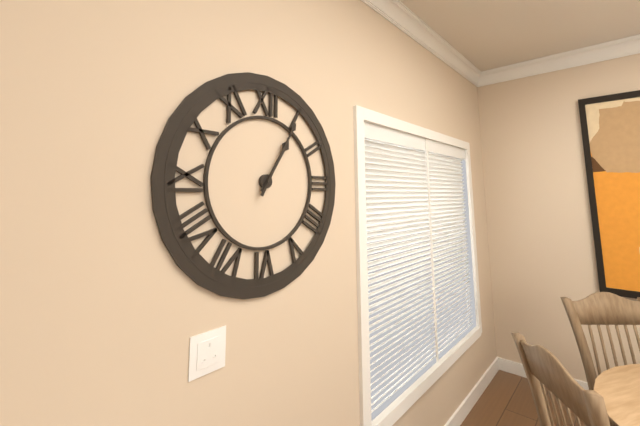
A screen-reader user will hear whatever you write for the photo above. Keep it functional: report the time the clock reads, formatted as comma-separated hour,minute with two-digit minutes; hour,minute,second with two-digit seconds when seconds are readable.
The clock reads 1,05
